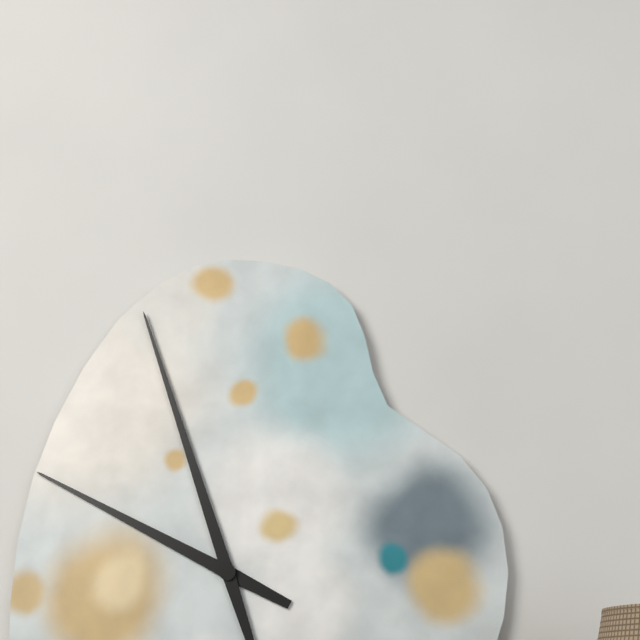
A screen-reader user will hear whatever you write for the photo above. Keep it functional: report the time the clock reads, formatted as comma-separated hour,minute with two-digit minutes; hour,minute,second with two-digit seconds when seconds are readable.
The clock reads 9,57
